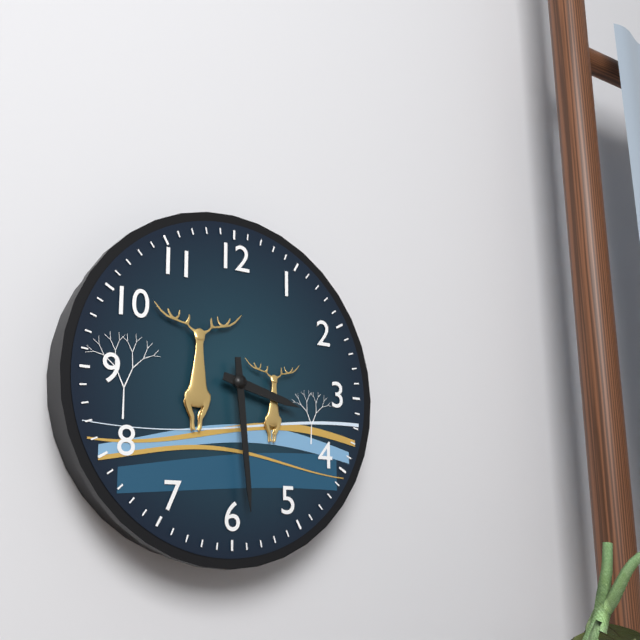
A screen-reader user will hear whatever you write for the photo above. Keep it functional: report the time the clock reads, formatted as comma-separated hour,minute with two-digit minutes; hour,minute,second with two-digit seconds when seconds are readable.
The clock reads 3,29
